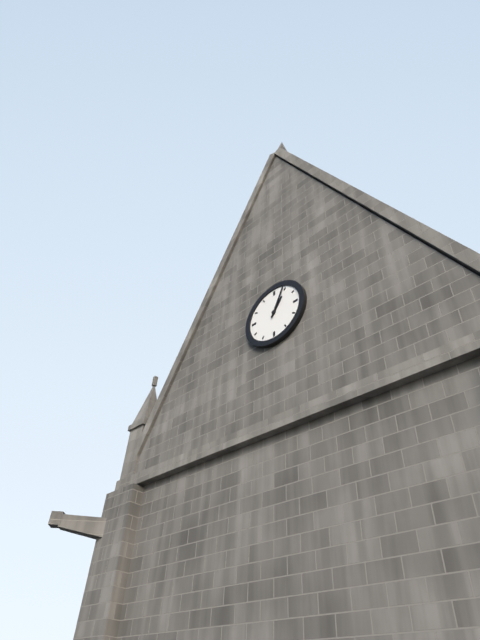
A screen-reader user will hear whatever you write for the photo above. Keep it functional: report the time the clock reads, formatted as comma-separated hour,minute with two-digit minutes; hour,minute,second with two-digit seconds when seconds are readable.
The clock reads 1,04
